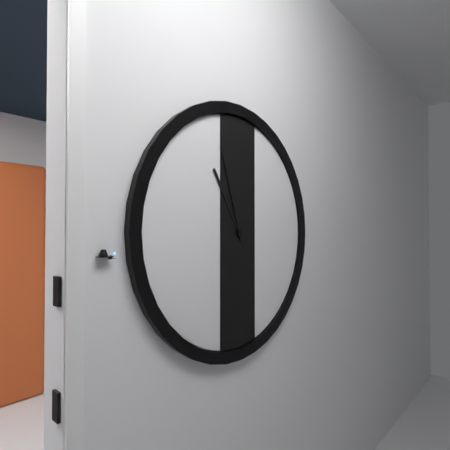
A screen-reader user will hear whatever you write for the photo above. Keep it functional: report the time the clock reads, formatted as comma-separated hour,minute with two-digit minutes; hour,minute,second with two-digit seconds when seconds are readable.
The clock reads 10,57
